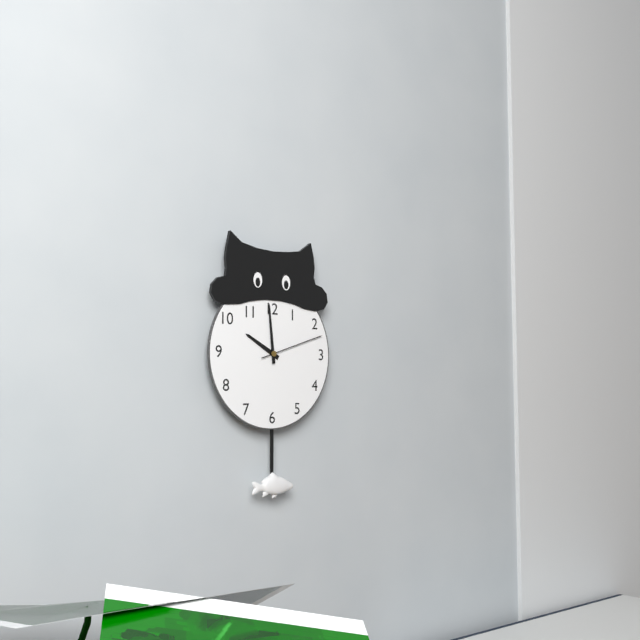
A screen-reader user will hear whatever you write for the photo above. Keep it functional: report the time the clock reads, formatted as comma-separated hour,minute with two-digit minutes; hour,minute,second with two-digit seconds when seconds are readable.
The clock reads 9,59,12
